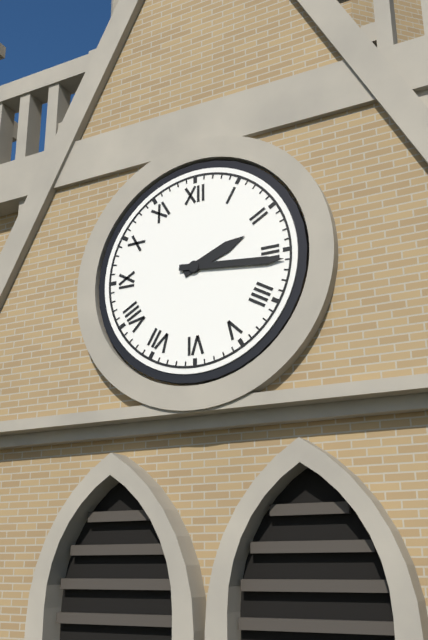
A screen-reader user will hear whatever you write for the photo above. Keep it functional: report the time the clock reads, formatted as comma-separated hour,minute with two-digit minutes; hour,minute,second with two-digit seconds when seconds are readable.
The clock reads 2,16
